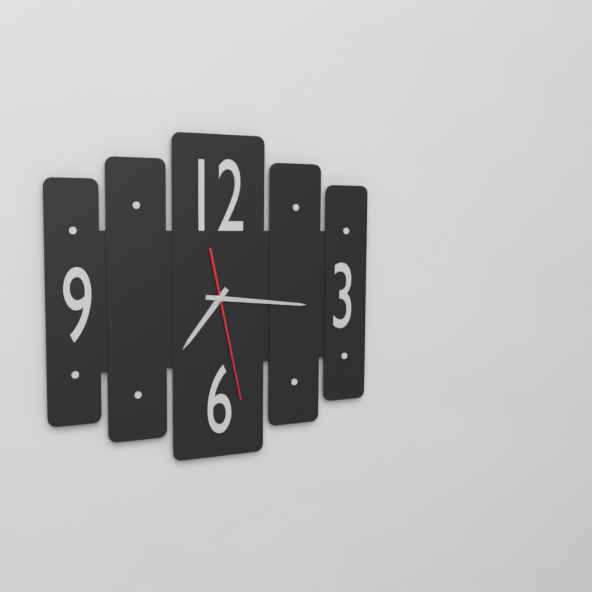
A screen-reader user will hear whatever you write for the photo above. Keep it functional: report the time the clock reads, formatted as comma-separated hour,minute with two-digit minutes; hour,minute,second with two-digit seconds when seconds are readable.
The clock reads 7,16,28
